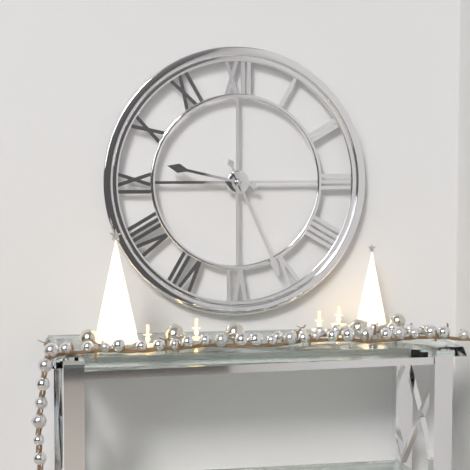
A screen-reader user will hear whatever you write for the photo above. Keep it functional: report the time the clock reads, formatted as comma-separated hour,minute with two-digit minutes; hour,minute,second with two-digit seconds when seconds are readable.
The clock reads 9,26
